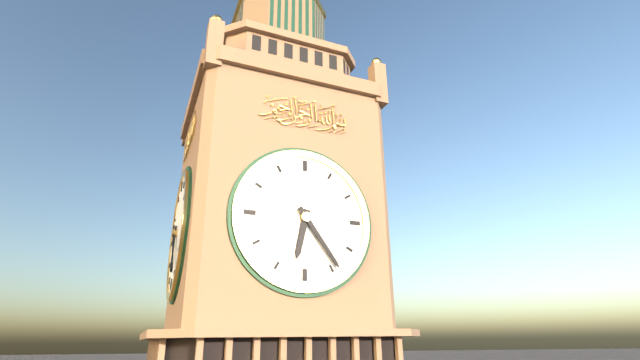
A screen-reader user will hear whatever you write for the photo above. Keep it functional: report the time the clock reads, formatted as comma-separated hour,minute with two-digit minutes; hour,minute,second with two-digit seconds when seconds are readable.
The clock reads 6,24
